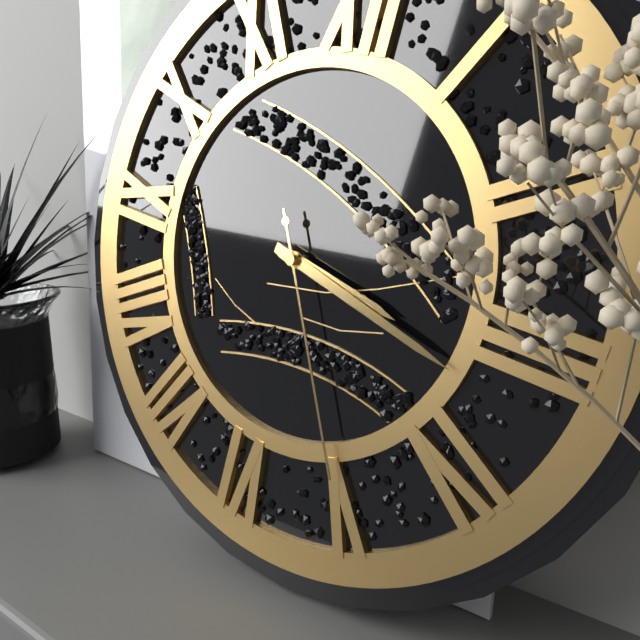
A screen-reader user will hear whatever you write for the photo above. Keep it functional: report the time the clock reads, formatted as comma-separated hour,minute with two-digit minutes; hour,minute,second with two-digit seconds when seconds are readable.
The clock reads 3,17,25
